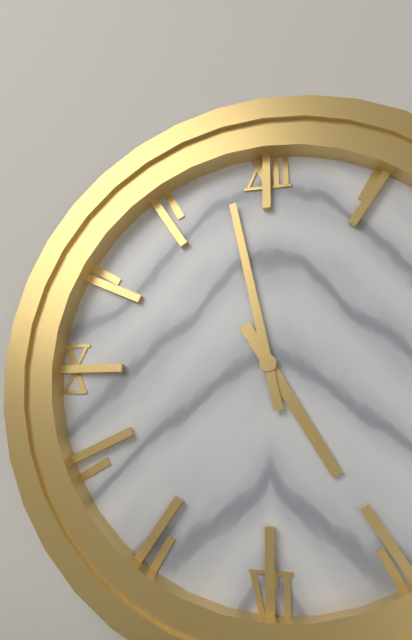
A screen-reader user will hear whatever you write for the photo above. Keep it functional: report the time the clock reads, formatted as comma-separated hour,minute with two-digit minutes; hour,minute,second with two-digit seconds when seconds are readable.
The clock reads 4,58
